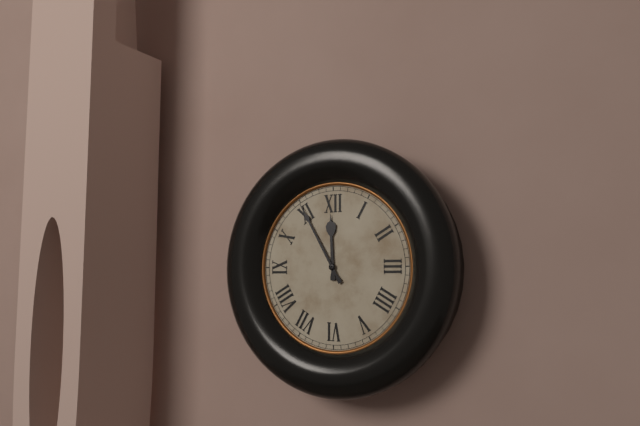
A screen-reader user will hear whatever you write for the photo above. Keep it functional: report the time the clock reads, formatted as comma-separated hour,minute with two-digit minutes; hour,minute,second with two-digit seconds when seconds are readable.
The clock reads 11,55
